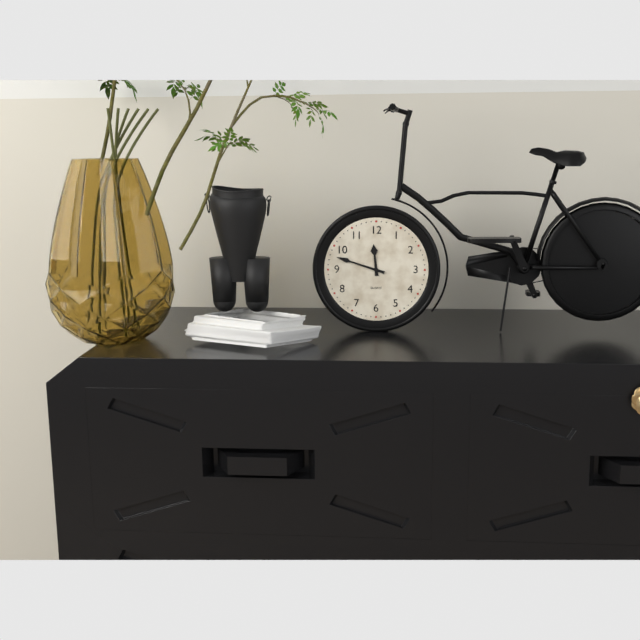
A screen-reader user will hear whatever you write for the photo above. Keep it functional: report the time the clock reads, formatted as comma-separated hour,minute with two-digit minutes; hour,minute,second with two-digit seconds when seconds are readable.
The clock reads 11,48
